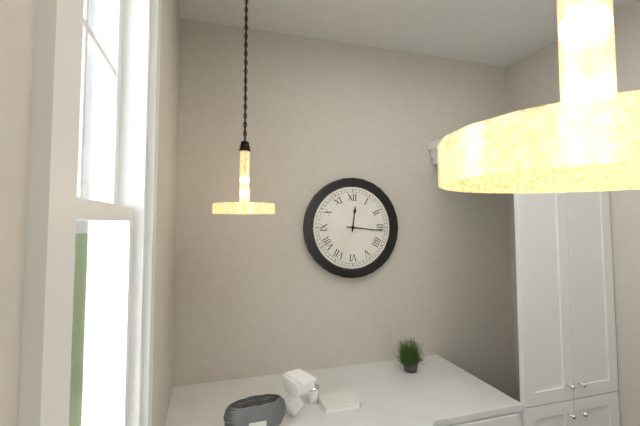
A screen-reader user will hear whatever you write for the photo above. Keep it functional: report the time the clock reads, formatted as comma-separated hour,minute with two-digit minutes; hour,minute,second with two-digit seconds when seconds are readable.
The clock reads 12,16
